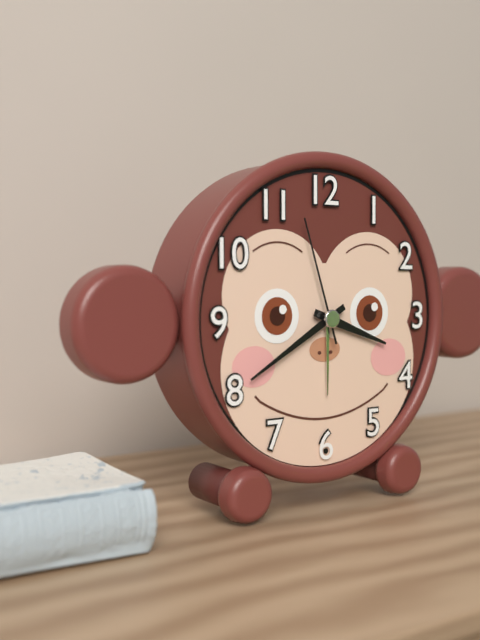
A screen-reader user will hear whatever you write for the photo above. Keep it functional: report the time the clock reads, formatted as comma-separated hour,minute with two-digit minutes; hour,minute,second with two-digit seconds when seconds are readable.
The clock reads 3,40,57
